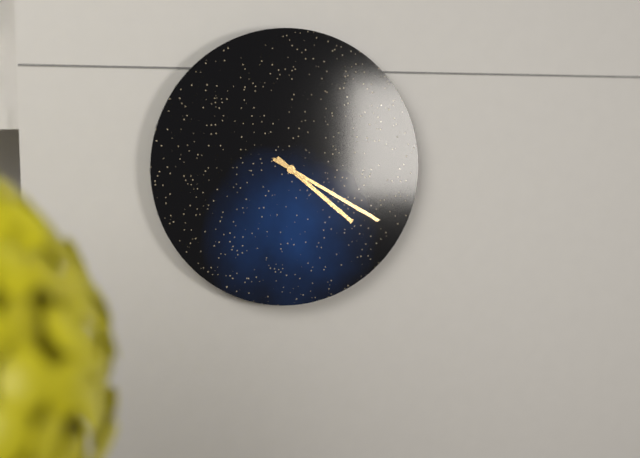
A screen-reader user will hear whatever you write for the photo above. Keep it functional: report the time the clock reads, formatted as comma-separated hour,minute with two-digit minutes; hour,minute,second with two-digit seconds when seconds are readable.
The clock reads 4,20
